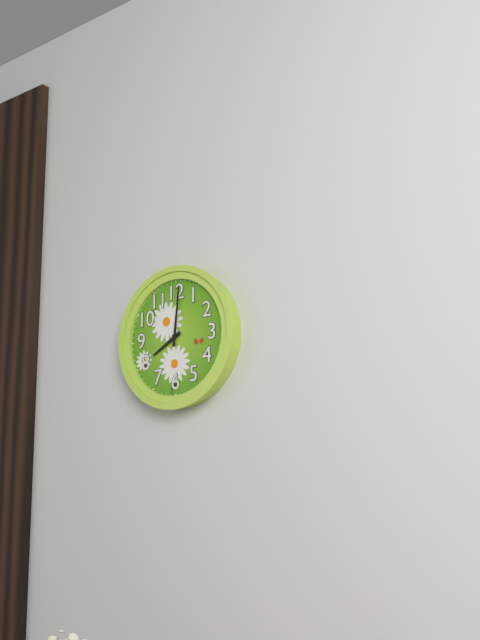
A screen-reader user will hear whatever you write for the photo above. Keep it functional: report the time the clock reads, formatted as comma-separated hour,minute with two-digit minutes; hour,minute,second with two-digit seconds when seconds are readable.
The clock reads 8,01
